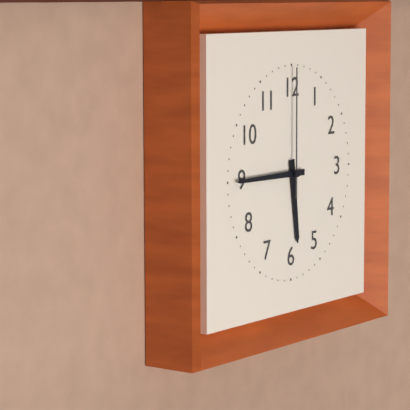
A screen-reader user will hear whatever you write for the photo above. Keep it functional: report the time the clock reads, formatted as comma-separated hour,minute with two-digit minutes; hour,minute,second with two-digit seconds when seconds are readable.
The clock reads 5,45,00
